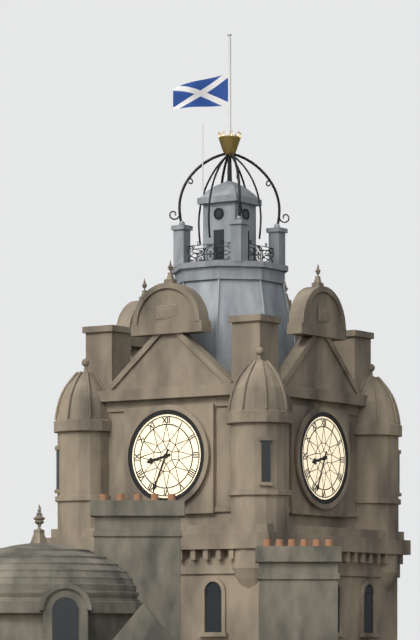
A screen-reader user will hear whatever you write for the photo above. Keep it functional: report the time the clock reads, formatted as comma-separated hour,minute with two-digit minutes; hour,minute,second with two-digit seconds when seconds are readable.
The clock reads 8,34
